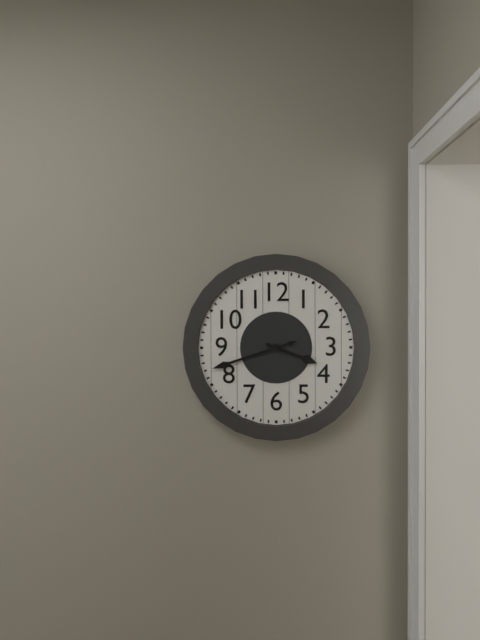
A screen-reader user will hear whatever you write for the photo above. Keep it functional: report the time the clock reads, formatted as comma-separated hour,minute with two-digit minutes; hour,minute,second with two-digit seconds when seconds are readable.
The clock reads 3,42
